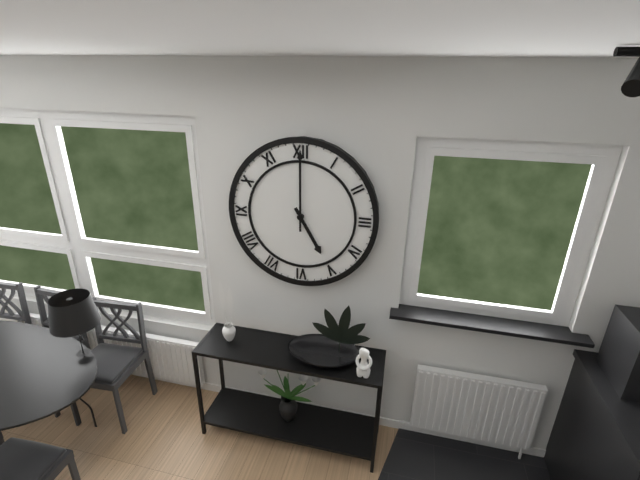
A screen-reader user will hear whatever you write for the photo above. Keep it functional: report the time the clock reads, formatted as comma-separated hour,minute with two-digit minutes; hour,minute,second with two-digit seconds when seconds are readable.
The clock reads 5,00
